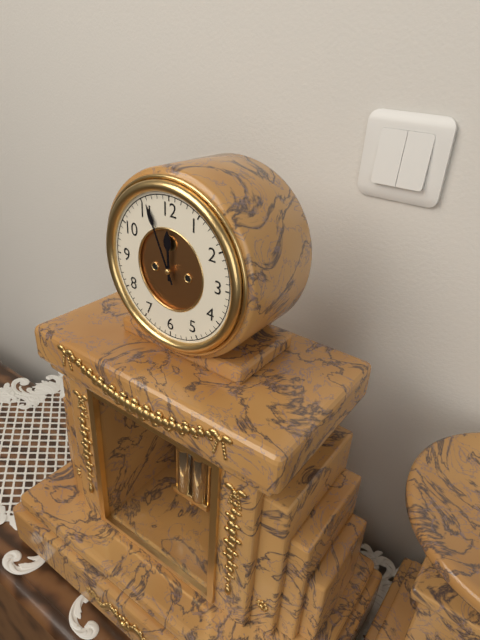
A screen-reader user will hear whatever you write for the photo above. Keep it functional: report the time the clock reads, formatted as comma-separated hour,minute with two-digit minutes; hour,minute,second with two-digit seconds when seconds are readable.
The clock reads 11,56
